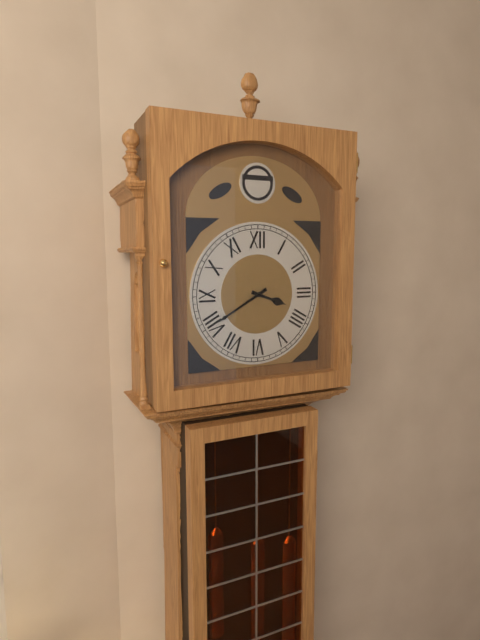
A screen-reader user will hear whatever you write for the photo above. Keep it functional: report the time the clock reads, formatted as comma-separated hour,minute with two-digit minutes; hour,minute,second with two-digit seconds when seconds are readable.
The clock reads 3,40
